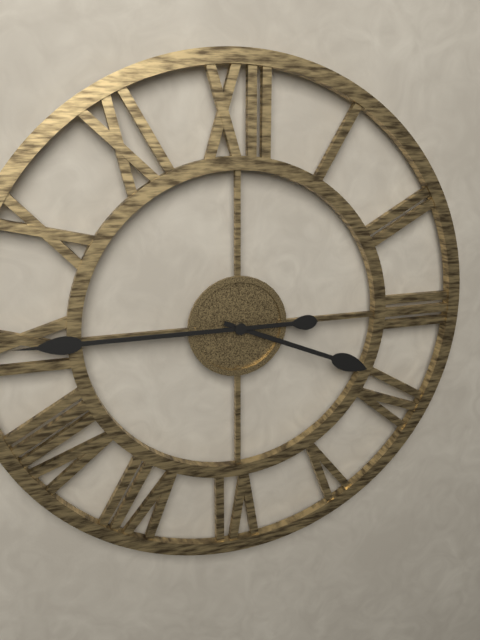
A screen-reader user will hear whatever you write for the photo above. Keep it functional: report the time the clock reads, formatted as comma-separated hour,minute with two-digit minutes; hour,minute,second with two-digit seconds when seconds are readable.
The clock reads 3,45
